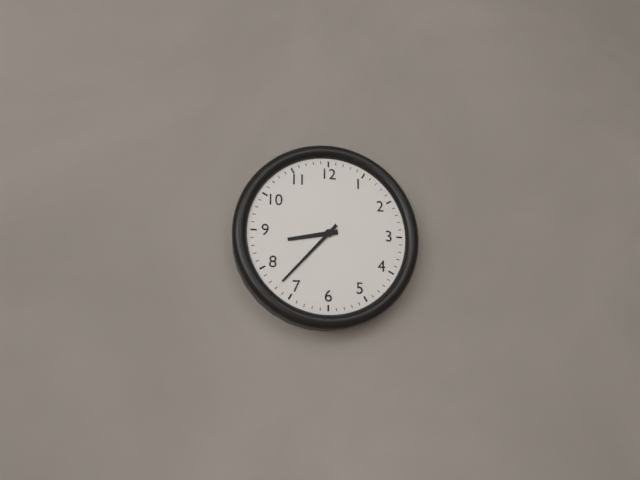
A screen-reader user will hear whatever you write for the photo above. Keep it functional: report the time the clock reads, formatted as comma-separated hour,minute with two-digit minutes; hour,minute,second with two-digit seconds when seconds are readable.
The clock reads 8,37
